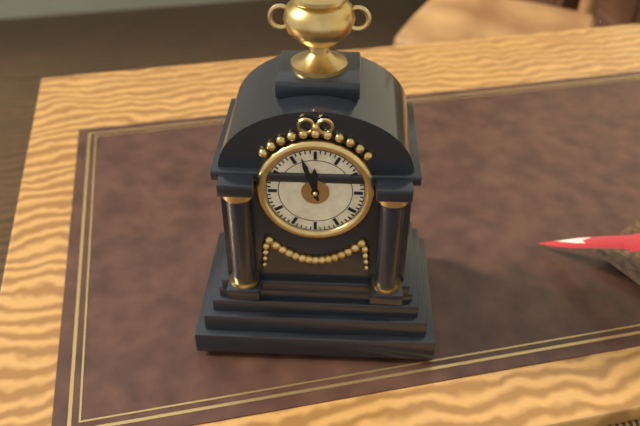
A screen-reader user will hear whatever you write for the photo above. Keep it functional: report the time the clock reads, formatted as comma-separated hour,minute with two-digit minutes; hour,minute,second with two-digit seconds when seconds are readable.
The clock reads 11,57
